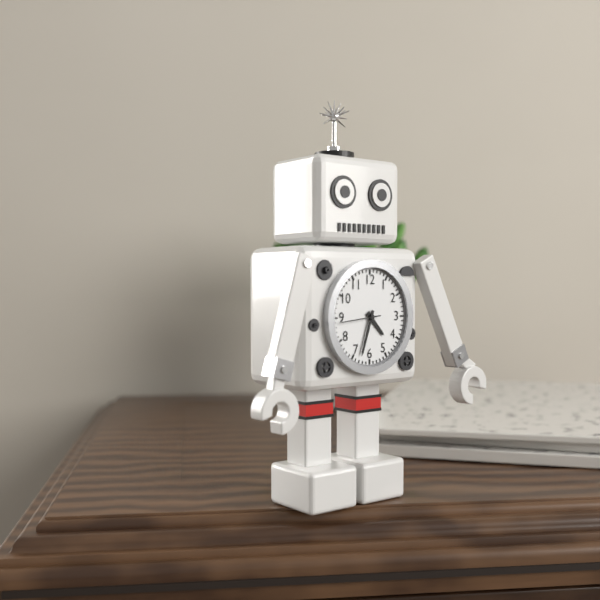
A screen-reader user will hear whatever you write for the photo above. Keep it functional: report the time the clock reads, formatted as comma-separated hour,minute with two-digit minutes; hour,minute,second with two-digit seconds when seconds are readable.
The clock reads 4,33
